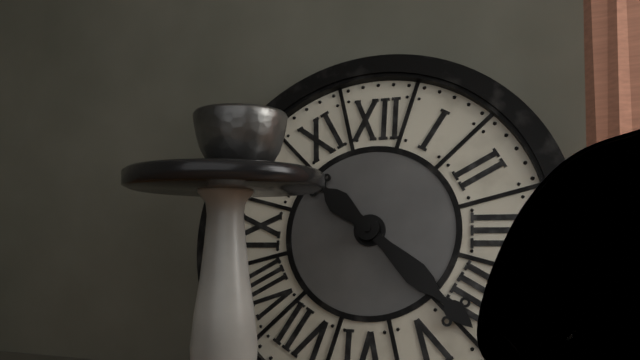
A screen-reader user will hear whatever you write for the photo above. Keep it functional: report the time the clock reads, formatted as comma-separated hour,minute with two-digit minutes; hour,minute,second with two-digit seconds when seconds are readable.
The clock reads 10,22
